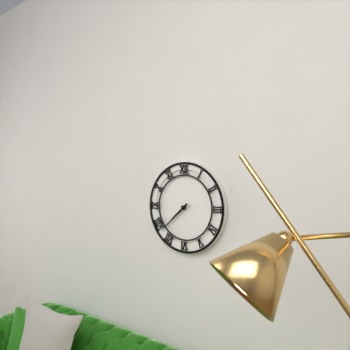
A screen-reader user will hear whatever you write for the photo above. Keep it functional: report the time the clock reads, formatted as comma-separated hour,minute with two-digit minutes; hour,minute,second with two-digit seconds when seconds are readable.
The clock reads 7,38
